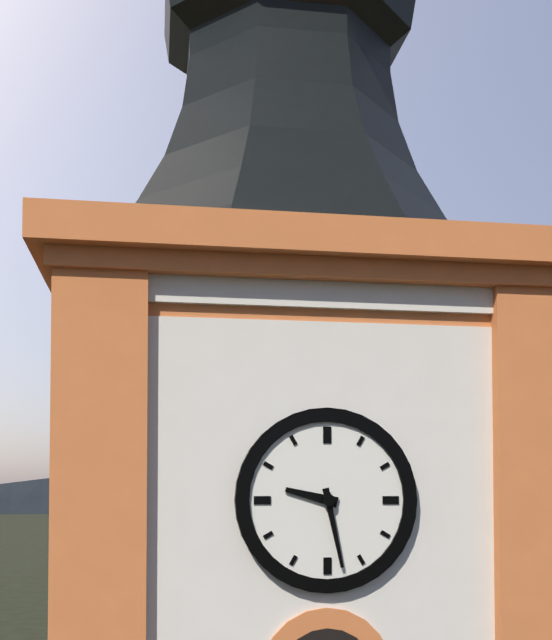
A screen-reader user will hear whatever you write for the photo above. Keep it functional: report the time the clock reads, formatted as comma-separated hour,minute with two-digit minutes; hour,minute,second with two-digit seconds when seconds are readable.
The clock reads 9,28
